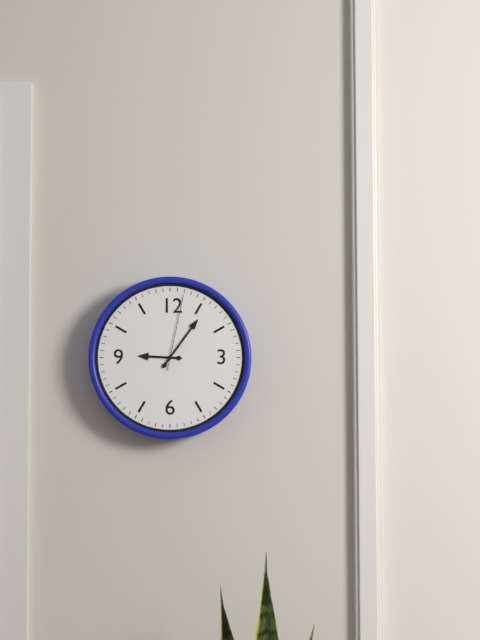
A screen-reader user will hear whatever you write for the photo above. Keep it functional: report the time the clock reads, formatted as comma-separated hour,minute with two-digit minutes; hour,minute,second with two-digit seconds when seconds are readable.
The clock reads 9,06,02
